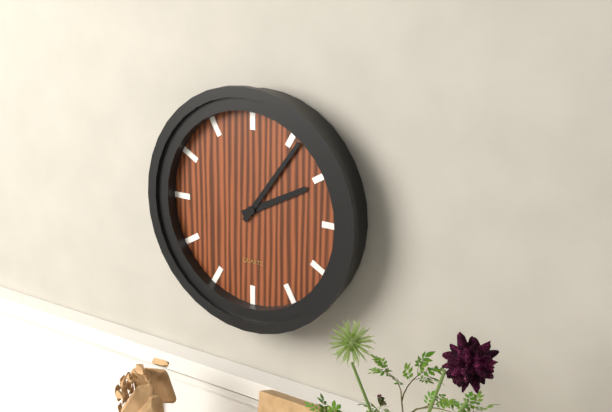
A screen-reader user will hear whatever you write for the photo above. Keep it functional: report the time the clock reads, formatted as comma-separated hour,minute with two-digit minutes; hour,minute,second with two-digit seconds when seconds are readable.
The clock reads 2,06
